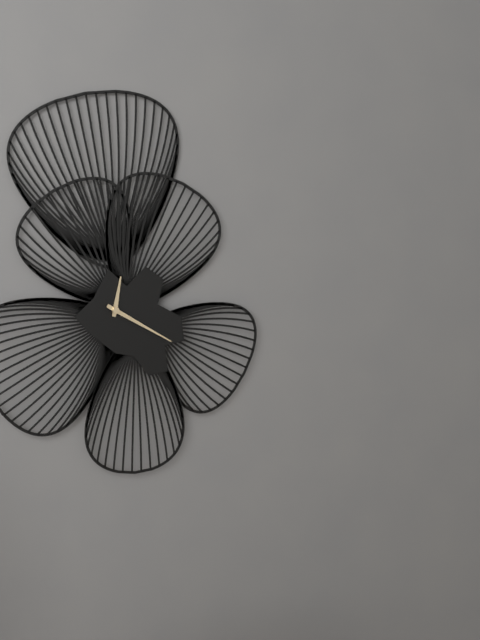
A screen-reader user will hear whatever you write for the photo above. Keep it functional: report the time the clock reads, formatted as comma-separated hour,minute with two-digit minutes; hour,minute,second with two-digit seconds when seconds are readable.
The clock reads 12,20
